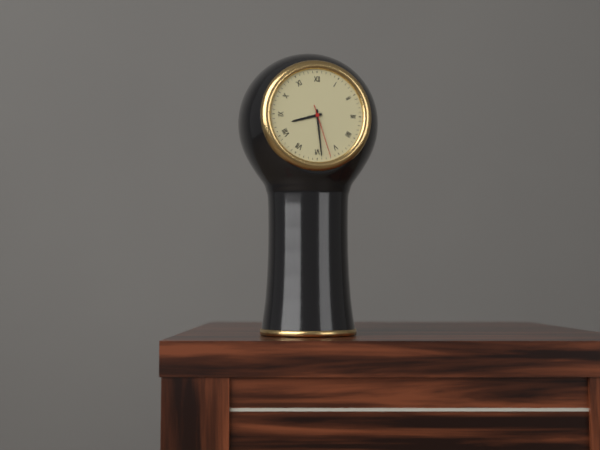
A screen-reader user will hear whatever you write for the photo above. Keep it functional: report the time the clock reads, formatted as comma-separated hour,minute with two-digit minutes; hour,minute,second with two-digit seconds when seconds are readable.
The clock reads 8,29,27
